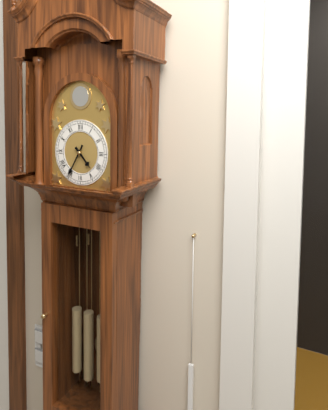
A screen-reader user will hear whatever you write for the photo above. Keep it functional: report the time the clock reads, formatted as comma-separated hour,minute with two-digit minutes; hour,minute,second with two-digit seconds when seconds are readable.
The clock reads 4,35
